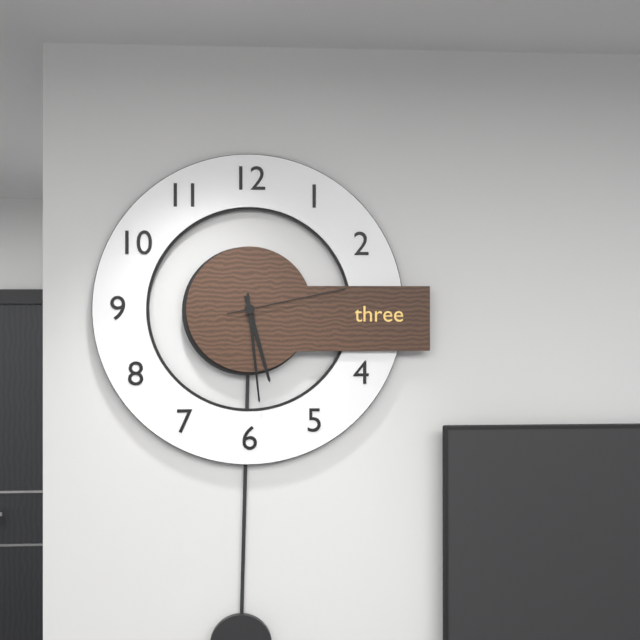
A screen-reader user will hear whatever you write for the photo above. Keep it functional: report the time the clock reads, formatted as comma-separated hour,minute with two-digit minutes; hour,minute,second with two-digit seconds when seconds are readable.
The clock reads 5,29,13
